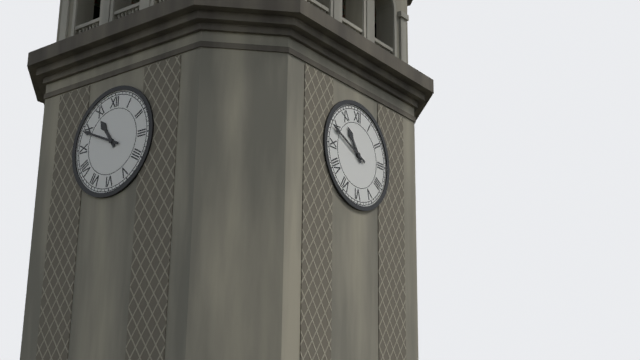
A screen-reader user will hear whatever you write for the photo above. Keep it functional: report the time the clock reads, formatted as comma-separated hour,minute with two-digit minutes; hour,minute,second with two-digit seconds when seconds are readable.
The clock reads 10,49
